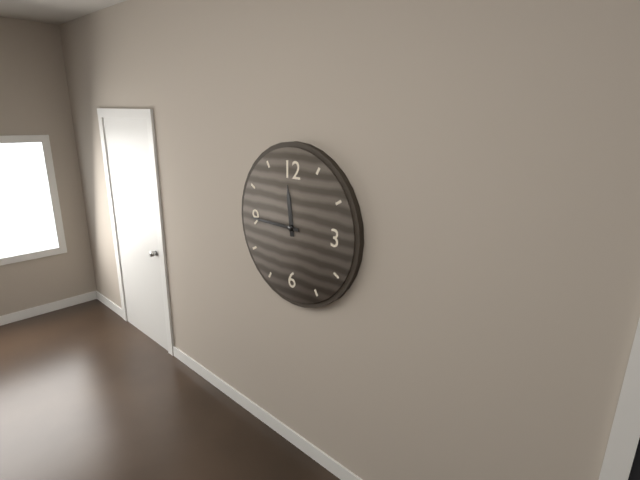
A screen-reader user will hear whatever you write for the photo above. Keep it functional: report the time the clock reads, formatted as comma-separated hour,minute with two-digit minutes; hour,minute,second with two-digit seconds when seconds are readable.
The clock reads 11,45
